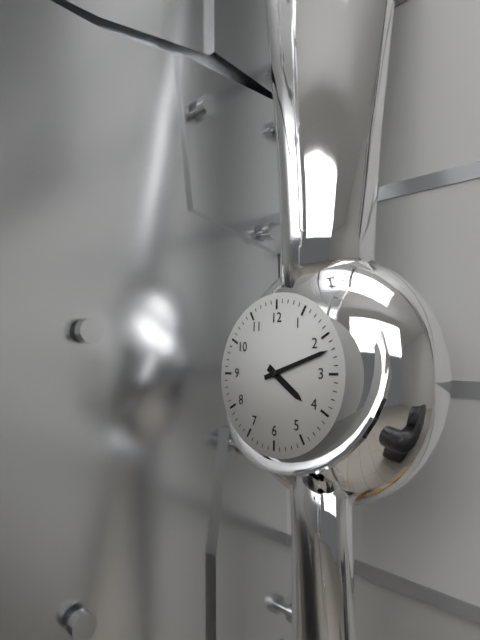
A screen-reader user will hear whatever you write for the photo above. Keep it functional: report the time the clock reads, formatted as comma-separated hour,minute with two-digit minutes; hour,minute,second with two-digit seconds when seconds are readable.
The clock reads 4,12
